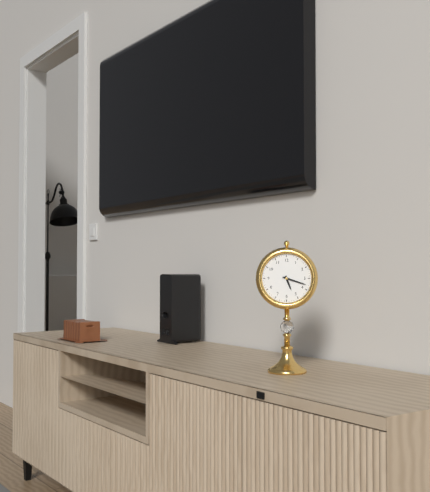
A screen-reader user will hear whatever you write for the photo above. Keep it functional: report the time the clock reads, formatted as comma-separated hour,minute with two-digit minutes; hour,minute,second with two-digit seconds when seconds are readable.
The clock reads 5,18
